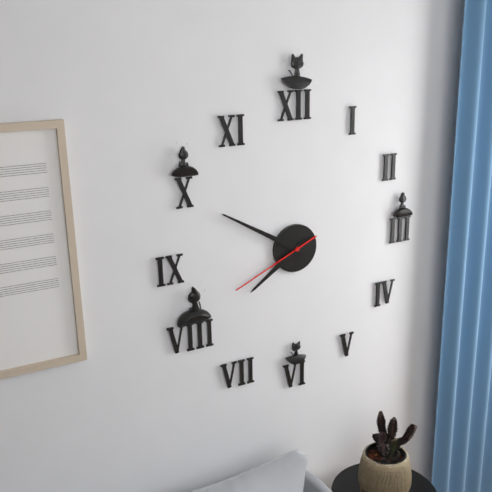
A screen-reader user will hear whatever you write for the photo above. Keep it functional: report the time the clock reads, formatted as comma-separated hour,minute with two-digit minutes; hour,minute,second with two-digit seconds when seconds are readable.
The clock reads 7,50,41
